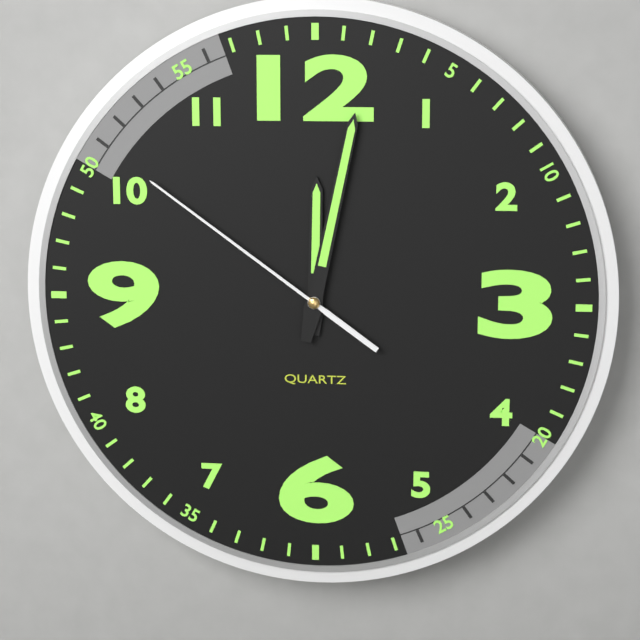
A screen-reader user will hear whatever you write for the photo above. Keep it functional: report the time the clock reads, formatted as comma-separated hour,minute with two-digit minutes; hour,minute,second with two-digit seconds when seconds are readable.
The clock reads 12,02,51
